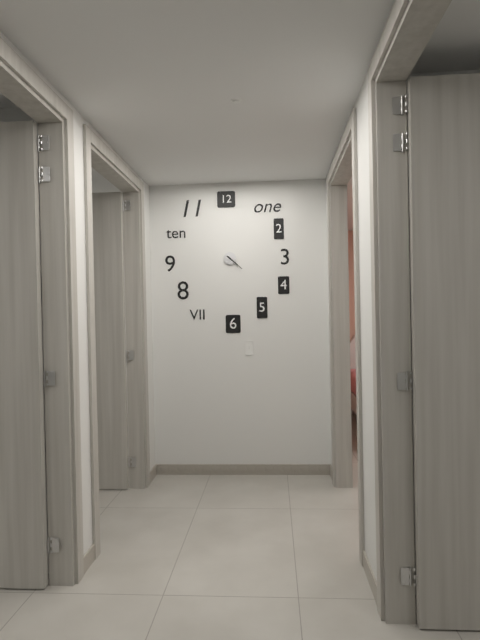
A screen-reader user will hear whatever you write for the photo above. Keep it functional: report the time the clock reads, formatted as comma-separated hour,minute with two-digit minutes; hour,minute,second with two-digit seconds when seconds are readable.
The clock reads 4,22
